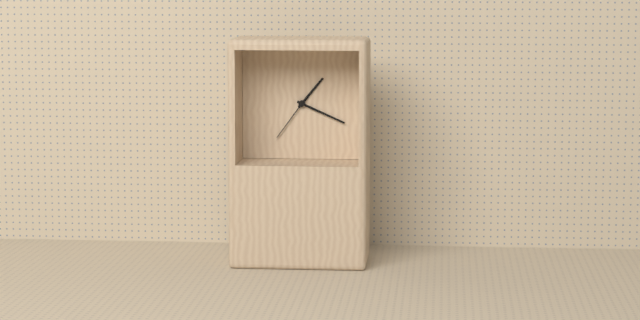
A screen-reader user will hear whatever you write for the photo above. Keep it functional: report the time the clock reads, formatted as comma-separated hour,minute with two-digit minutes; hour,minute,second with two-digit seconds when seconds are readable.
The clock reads 1,19,36
